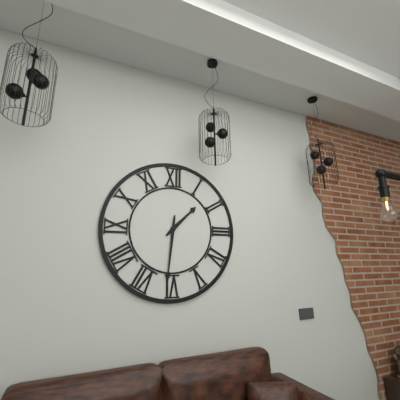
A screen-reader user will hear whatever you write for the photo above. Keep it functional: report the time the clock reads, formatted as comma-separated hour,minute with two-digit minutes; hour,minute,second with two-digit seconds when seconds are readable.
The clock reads 1,31
